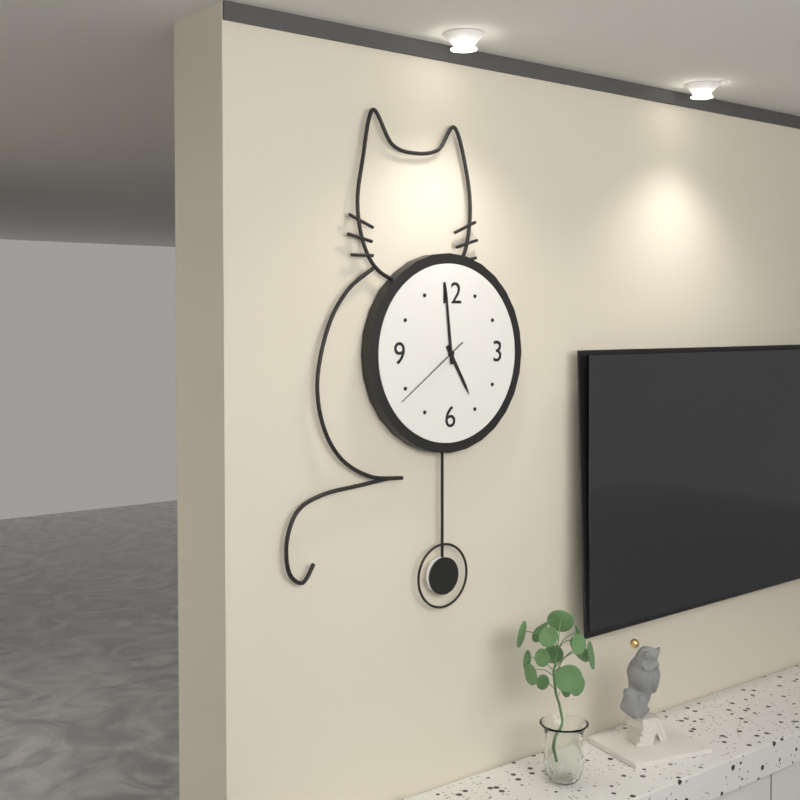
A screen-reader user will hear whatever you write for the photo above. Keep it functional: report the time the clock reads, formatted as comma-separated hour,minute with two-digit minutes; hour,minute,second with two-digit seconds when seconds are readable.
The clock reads 4,59,39
